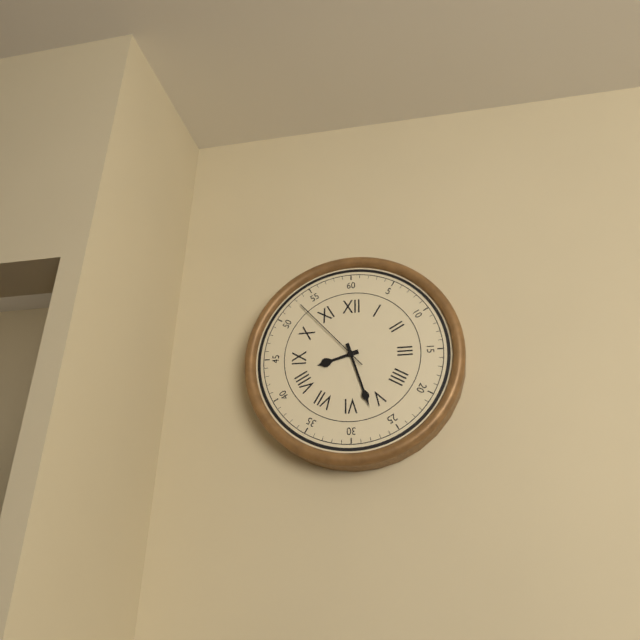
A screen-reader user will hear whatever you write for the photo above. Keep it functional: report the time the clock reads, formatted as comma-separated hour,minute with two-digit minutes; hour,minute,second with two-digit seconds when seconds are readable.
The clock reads 8,27,53
